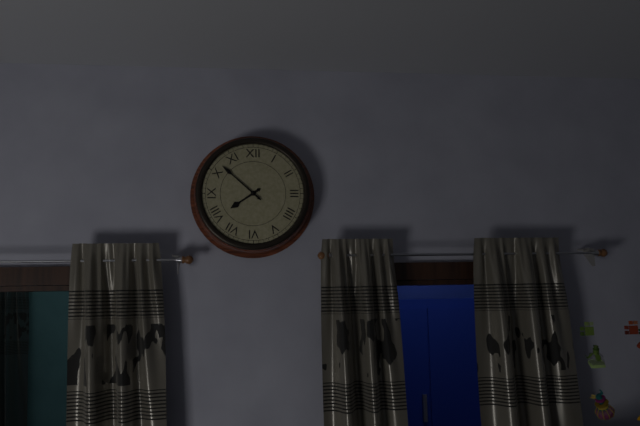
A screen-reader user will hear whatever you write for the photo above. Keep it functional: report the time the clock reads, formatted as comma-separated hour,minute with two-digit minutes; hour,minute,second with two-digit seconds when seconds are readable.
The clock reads 7,52
